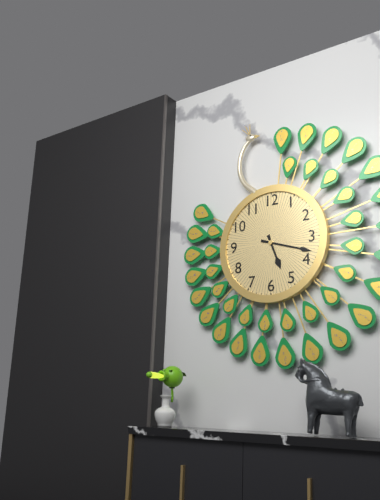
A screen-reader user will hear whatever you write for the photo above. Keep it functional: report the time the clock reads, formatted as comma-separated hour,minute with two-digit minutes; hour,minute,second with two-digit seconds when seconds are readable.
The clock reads 5,18
